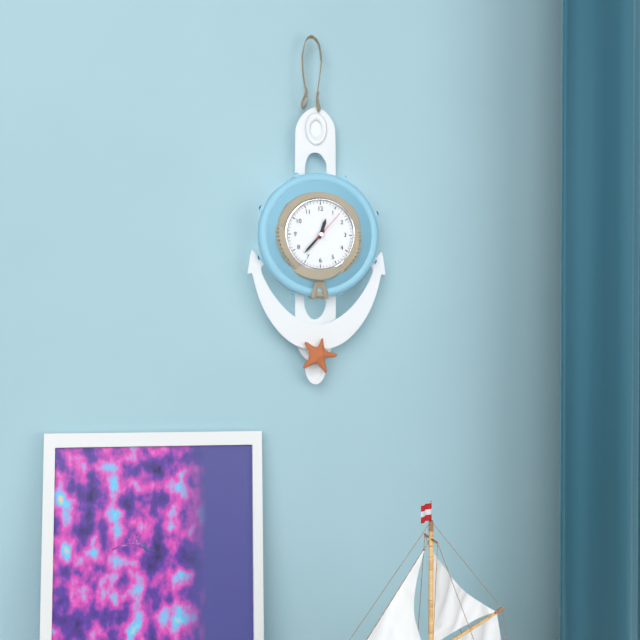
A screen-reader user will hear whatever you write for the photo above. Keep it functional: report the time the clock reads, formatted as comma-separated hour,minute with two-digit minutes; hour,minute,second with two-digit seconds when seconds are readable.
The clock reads 12,37
